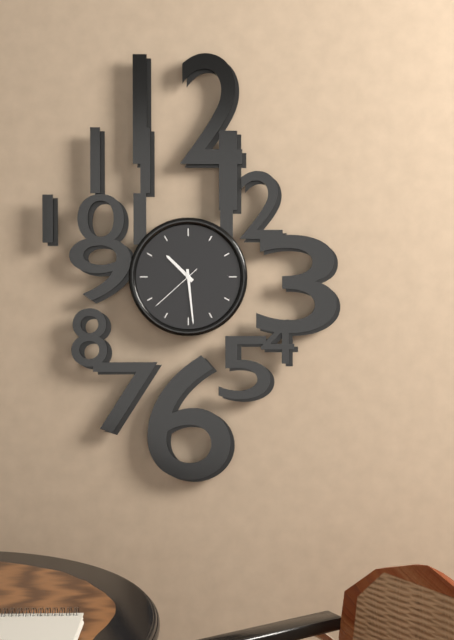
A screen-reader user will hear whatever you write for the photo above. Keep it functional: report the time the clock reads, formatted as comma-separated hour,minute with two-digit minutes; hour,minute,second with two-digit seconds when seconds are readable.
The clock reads 10,29,38
